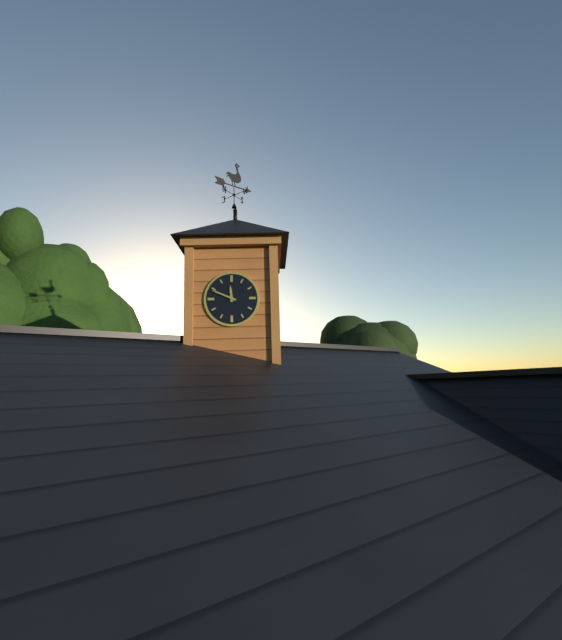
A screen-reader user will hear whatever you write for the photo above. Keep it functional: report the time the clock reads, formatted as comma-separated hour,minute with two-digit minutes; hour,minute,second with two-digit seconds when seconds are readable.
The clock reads 11,49
